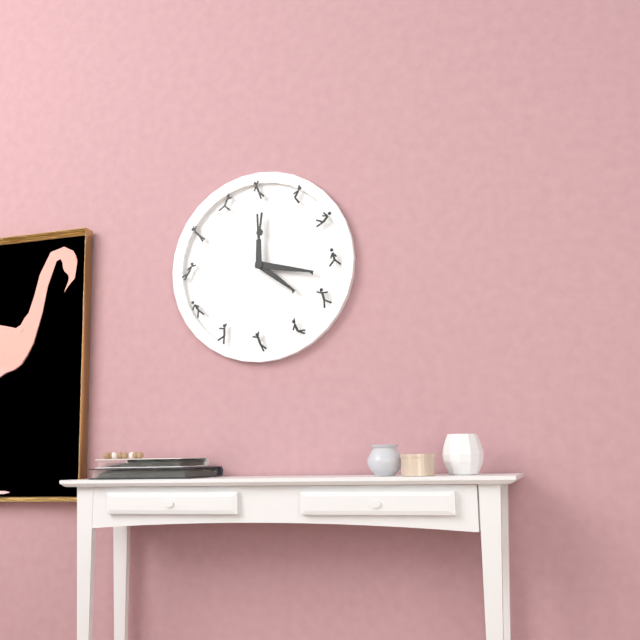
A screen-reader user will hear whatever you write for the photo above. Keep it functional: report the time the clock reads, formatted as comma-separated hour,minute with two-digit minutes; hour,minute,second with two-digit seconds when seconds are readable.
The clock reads 4,17
